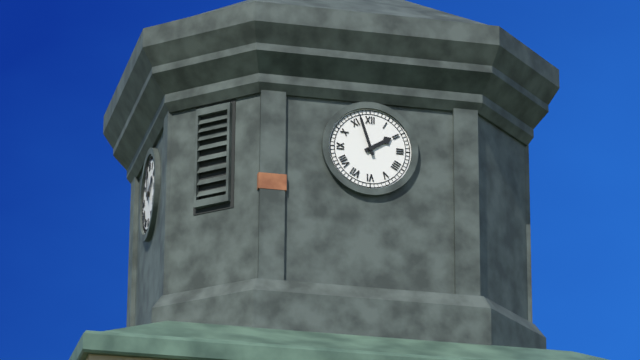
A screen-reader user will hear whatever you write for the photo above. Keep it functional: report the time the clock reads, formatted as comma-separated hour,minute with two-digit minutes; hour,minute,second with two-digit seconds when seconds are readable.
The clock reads 1,57
